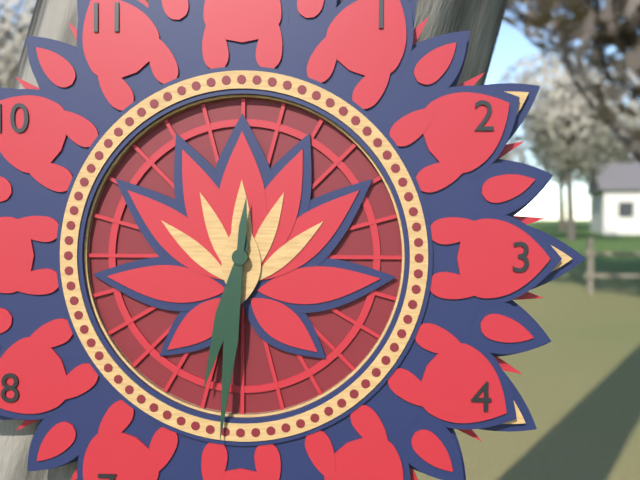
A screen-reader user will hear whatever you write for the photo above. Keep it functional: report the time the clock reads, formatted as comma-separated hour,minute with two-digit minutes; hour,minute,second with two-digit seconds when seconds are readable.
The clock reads 6,31
